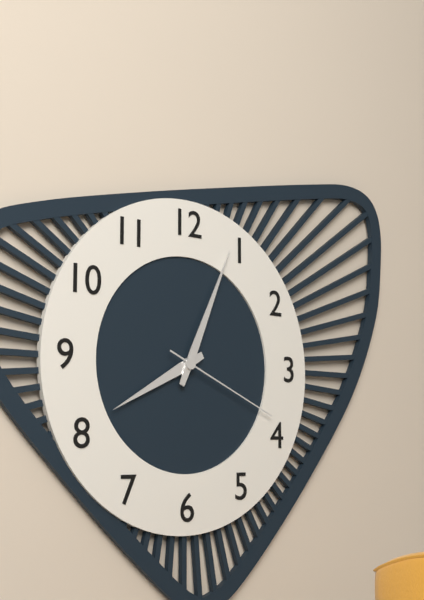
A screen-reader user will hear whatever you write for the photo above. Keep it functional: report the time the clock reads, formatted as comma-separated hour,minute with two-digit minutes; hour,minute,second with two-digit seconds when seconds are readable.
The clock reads 8,04,19
